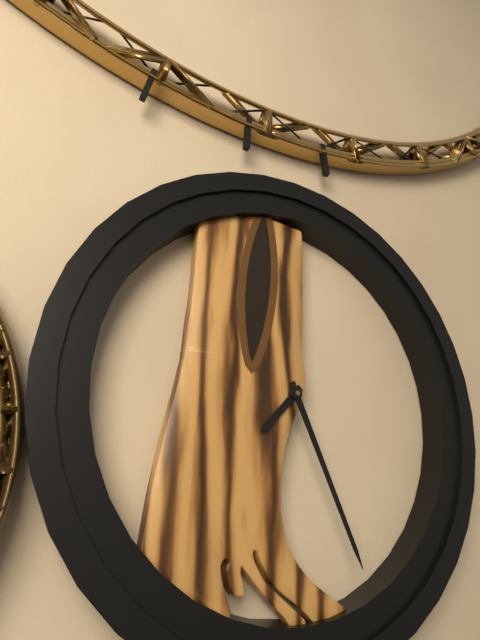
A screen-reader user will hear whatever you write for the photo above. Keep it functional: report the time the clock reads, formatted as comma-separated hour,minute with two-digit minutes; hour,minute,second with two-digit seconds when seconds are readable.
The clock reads 7,26
